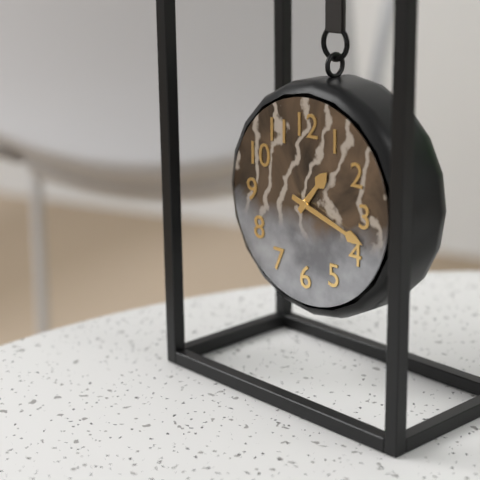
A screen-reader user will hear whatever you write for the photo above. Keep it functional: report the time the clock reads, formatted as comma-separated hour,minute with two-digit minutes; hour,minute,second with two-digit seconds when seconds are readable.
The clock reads 1,18
